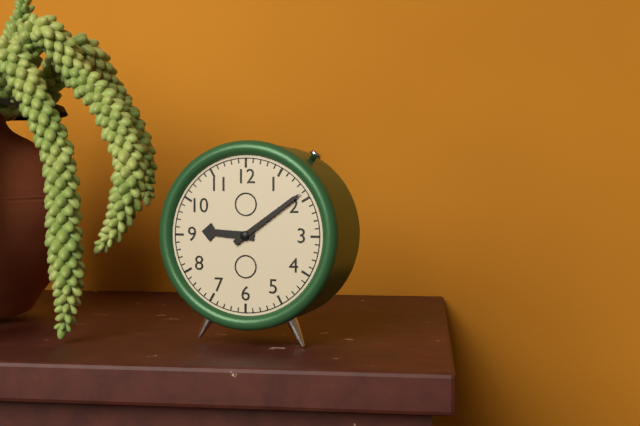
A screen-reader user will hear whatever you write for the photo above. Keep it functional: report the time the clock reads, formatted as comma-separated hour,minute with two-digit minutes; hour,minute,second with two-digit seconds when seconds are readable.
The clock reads 9,09
